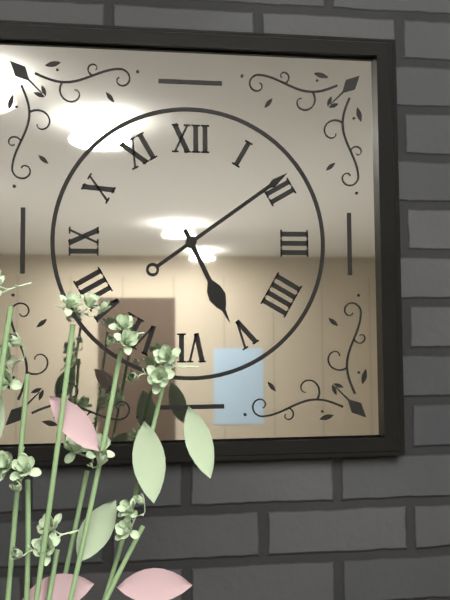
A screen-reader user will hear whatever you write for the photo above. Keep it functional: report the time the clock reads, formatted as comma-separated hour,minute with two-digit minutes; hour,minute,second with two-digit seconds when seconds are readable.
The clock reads 5,09
